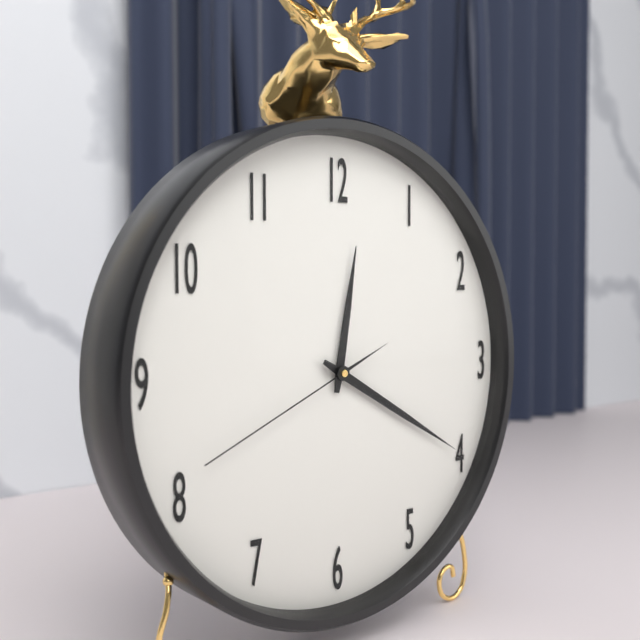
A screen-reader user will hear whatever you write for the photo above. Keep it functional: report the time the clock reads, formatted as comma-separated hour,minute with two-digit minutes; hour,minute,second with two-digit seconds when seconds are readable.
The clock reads 12,20,41
